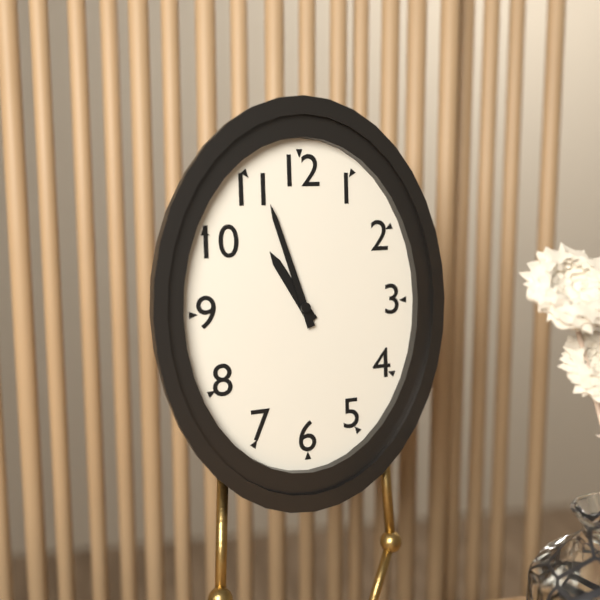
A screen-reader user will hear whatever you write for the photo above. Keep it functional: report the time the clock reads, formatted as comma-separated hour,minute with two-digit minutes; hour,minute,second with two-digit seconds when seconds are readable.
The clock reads 10,57
